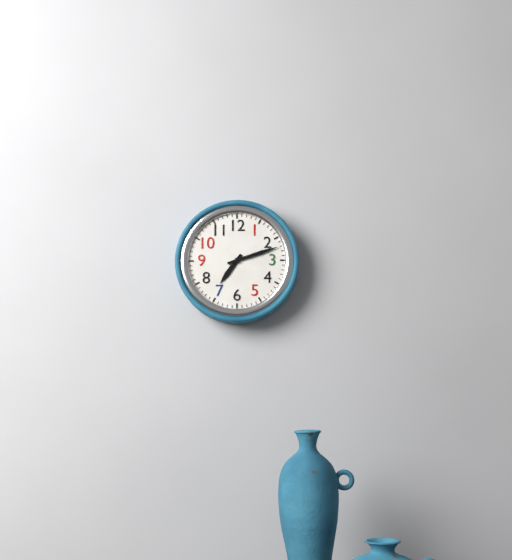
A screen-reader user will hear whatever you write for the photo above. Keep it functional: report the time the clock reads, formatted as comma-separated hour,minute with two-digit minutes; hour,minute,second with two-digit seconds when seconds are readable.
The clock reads 7,12
